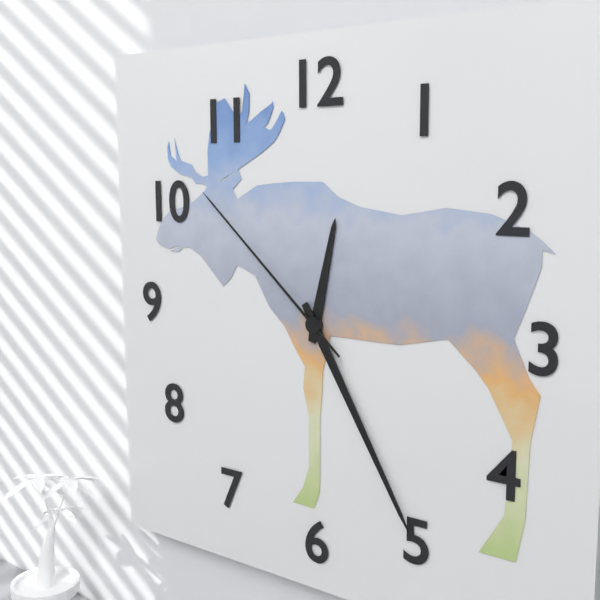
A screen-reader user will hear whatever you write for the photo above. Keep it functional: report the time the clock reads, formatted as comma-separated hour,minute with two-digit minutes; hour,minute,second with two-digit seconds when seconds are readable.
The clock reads 12,25,52
